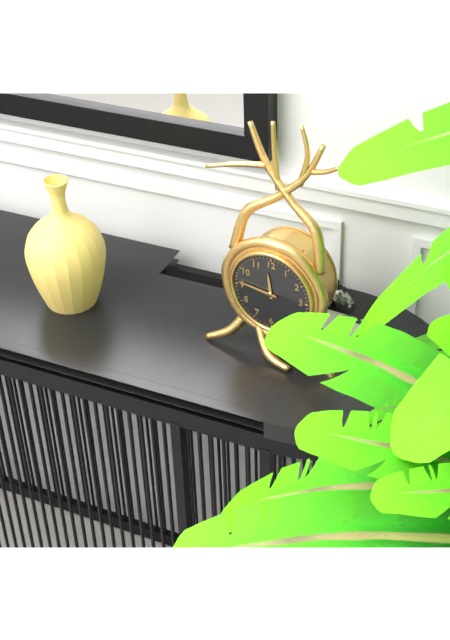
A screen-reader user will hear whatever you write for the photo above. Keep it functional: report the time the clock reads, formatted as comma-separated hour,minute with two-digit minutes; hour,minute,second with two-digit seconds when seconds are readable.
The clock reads 11,46
